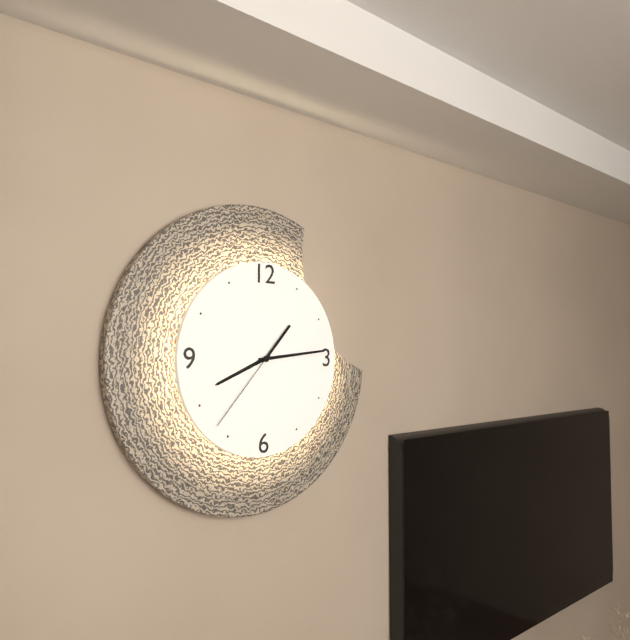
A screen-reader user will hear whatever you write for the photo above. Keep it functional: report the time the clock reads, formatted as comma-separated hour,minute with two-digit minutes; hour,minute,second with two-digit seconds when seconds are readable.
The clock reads 8,14,37
